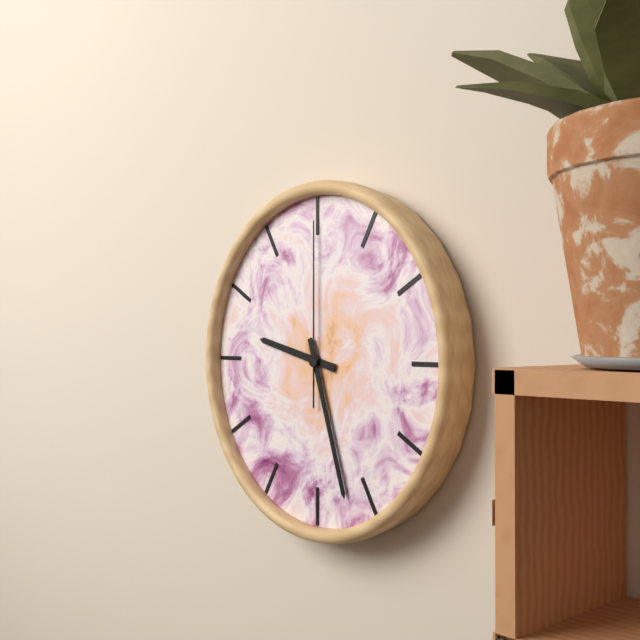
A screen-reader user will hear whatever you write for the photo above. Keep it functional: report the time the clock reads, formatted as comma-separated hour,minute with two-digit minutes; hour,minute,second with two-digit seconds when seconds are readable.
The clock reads 9,27,00
